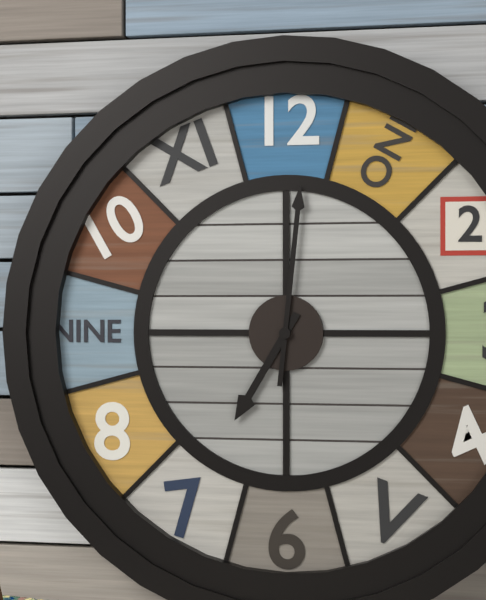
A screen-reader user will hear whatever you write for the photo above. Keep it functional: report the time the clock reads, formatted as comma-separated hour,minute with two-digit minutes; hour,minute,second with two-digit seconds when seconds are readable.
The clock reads 7,01
